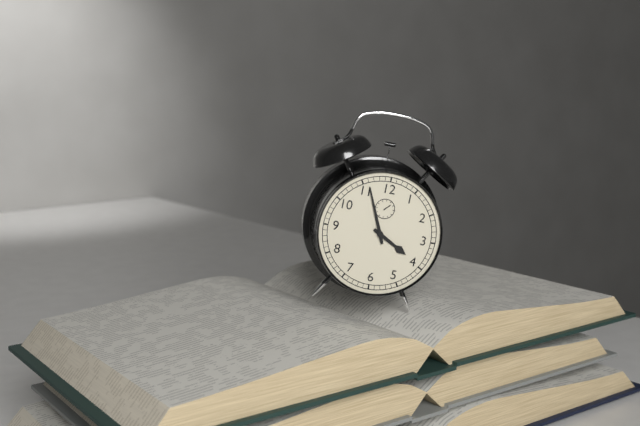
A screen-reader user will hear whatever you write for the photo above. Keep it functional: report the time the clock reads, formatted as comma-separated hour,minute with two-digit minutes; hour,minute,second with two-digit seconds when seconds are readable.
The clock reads 3,56
